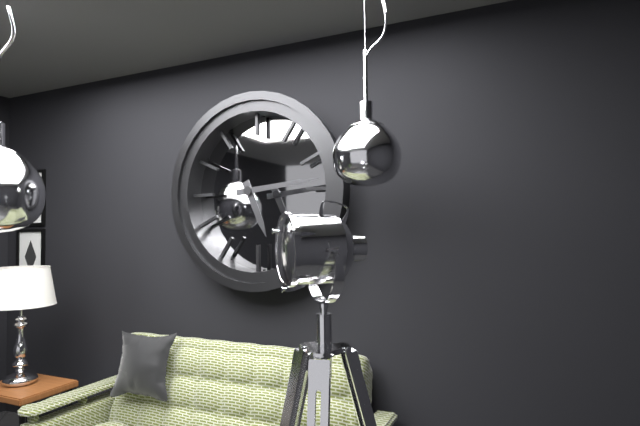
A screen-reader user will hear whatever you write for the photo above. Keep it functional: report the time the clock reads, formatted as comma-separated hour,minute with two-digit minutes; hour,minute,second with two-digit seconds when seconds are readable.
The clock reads 5,14
